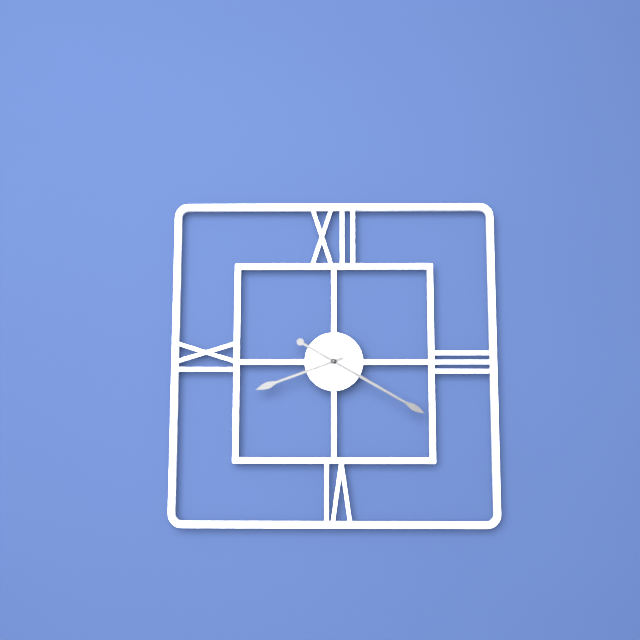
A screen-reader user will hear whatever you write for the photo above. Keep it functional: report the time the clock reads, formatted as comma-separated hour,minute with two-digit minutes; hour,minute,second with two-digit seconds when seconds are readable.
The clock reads 8,20
